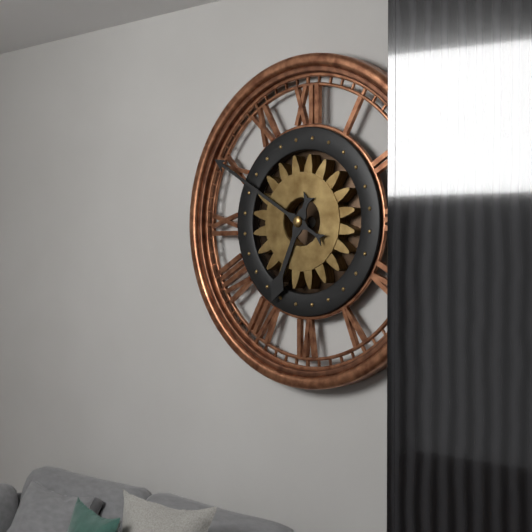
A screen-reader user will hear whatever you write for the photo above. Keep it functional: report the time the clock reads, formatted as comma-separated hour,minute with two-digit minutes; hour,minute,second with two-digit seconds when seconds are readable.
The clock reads 6,50
